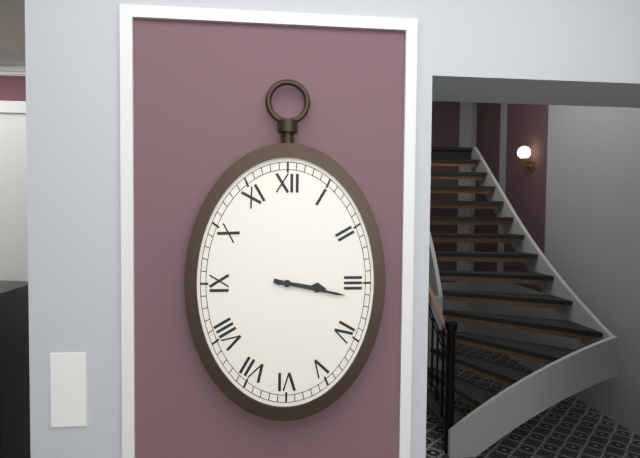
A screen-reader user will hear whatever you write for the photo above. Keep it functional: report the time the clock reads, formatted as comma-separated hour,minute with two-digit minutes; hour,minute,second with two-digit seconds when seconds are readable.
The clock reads 3,17
